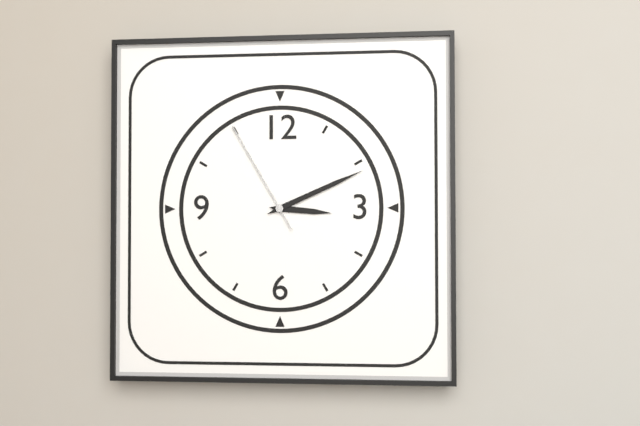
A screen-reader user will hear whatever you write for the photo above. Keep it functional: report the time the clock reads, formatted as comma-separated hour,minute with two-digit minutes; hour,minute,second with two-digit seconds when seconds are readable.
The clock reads 3,11,55
